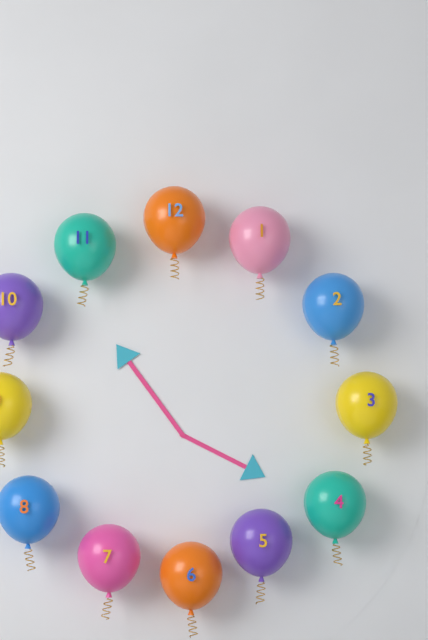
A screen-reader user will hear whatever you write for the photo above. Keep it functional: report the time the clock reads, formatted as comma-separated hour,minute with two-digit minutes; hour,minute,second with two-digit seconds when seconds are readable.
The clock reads 3,54
